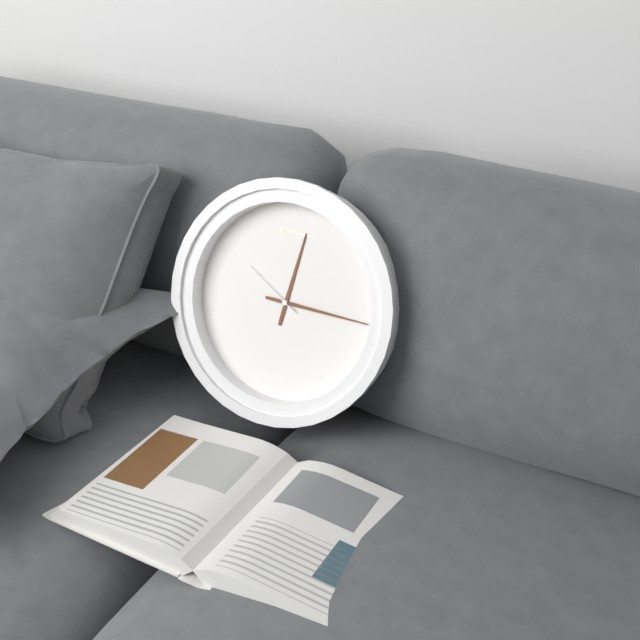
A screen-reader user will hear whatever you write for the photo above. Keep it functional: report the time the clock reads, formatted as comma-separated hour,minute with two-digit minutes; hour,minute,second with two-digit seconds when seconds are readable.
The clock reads 12,15,50
